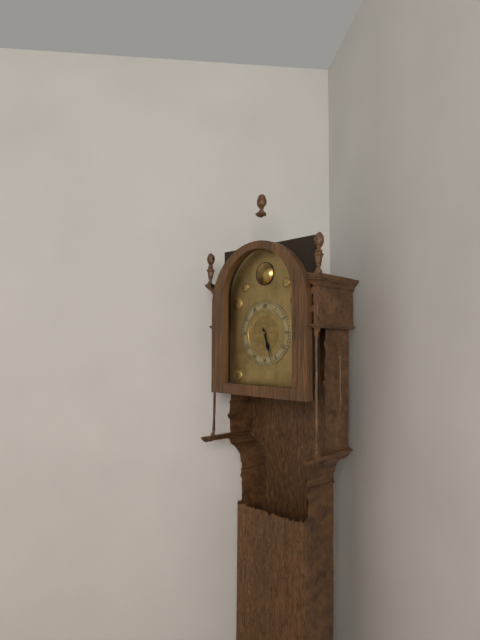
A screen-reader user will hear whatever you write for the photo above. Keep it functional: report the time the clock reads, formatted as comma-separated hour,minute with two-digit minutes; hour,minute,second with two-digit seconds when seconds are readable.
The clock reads 5,27
